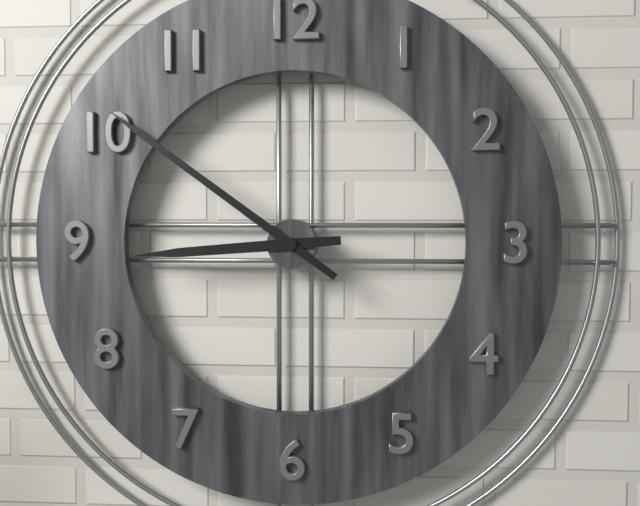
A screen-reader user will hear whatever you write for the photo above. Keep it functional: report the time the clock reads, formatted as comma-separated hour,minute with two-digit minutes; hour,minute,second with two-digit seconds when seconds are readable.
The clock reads 8,51
